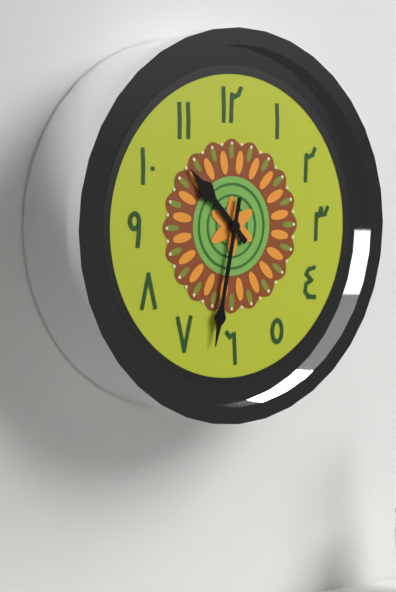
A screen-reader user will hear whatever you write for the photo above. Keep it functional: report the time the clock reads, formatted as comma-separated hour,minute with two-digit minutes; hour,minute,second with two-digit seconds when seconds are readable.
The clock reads 10,32
